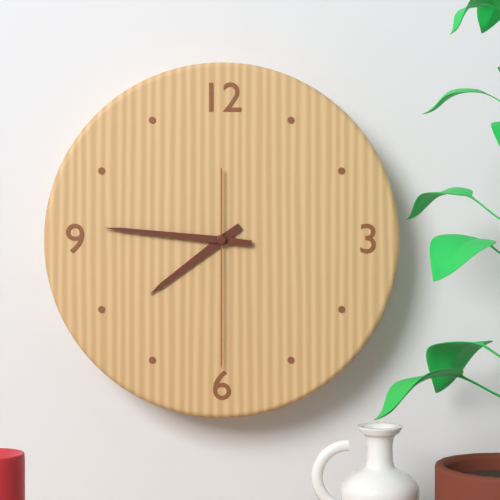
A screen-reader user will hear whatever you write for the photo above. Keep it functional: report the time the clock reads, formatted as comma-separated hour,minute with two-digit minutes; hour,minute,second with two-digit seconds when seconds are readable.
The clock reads 7,46,30
